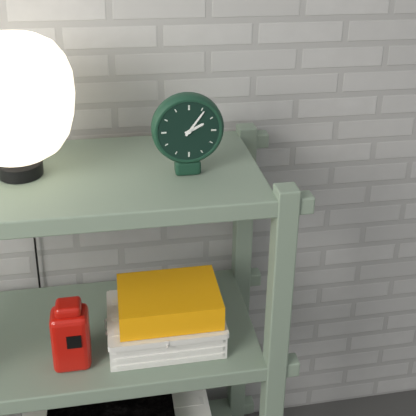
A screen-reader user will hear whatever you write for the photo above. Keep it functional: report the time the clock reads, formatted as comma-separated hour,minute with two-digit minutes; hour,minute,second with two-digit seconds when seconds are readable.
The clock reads 2,06
